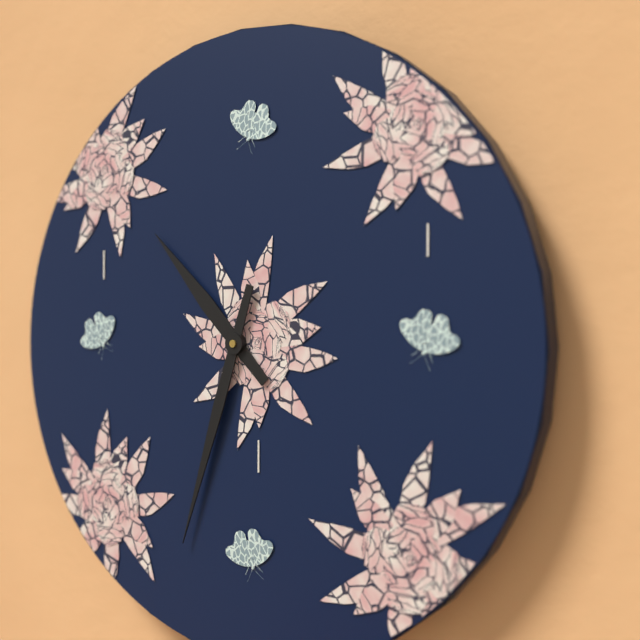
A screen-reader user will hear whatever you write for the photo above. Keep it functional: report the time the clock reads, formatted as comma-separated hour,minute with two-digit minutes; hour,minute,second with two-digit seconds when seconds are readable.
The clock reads 10,33
